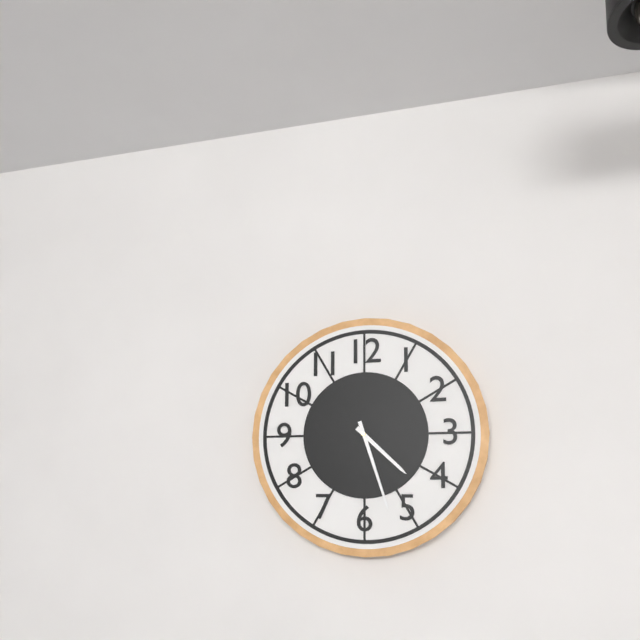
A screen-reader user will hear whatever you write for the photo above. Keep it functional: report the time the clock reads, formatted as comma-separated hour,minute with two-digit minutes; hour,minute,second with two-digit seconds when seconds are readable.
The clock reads 4,27
